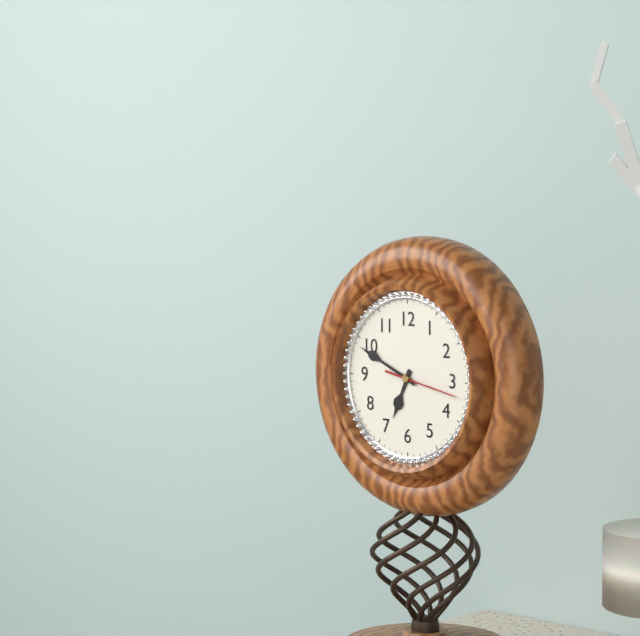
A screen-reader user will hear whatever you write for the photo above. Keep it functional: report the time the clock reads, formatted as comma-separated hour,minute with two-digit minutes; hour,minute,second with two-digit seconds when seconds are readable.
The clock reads 6,49,17
